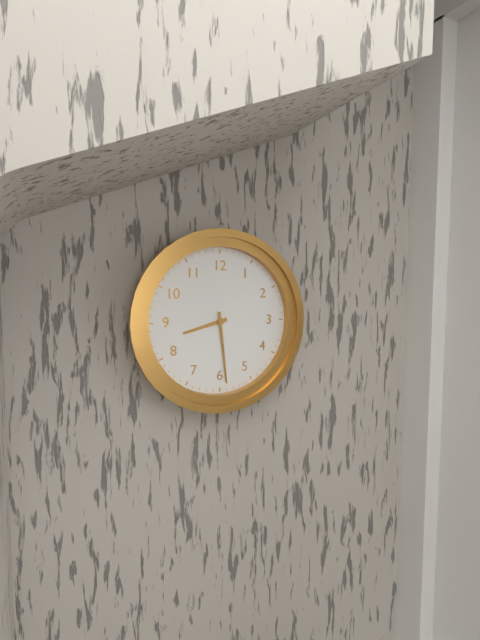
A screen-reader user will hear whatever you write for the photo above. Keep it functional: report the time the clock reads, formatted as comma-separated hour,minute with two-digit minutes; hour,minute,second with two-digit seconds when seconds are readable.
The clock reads 8,29
